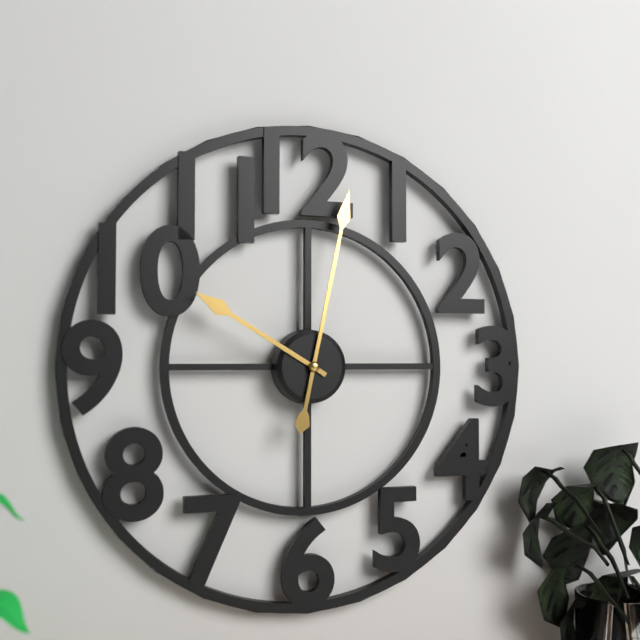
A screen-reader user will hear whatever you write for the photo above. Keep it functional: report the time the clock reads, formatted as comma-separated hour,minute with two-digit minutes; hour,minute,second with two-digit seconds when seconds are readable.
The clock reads 10,02
